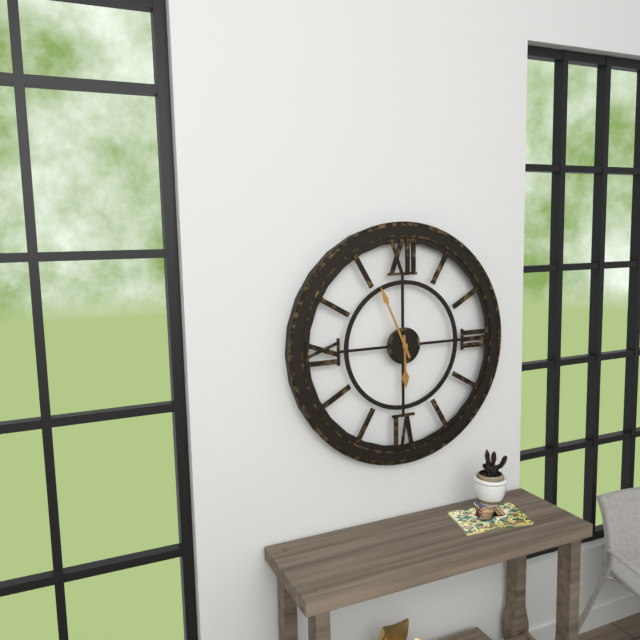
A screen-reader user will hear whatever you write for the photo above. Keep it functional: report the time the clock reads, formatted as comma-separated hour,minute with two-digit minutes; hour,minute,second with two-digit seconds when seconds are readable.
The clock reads 5,56
